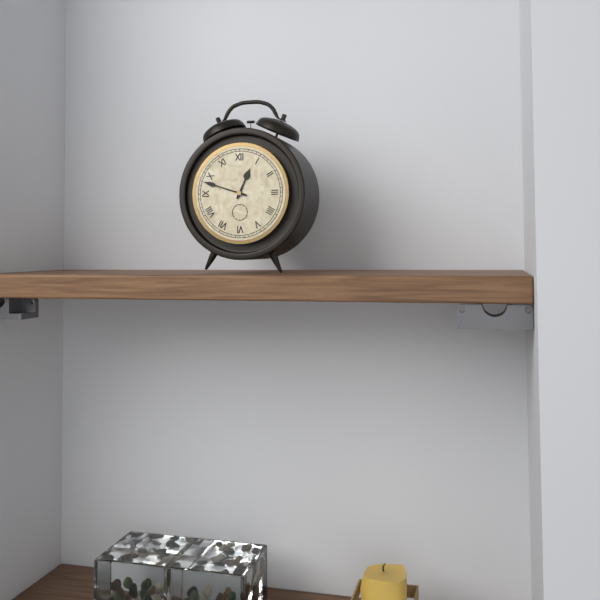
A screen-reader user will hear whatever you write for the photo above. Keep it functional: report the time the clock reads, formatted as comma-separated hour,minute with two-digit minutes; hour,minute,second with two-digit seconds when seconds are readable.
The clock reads 12,48
